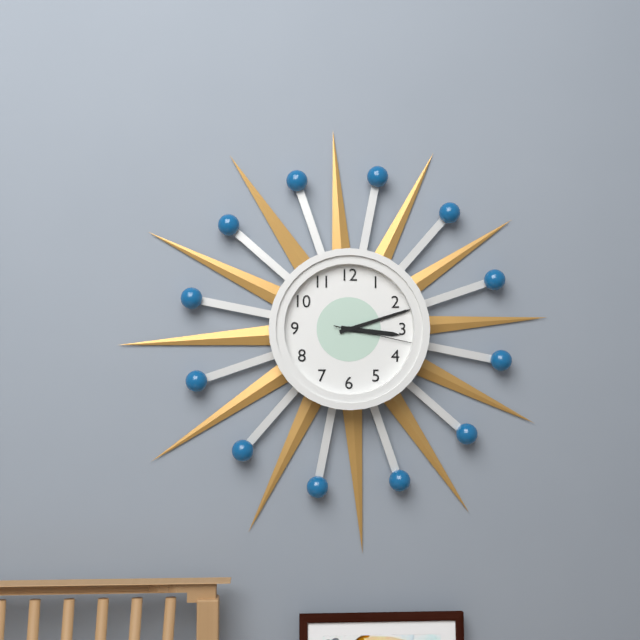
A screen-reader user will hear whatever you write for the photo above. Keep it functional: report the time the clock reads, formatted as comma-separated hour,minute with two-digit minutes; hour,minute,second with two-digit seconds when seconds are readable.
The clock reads 3,12,17
